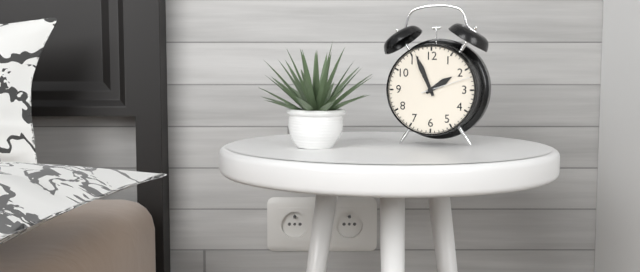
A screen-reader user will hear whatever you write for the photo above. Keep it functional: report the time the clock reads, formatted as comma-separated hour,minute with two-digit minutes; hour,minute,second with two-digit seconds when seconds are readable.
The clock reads 1,56
